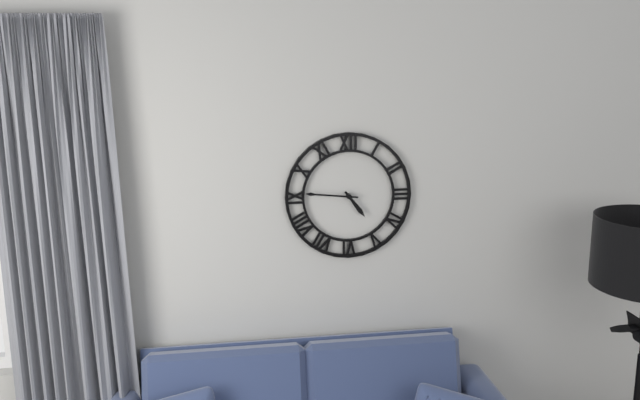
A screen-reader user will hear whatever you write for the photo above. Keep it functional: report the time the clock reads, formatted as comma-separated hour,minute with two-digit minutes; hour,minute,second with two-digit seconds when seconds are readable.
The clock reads 4,46
